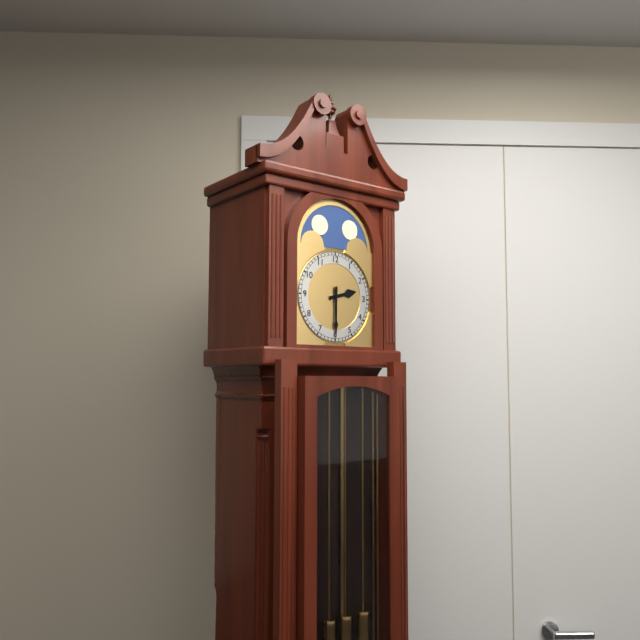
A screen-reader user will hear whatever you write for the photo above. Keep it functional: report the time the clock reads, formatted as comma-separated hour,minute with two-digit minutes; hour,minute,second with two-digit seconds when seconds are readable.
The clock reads 2,30
